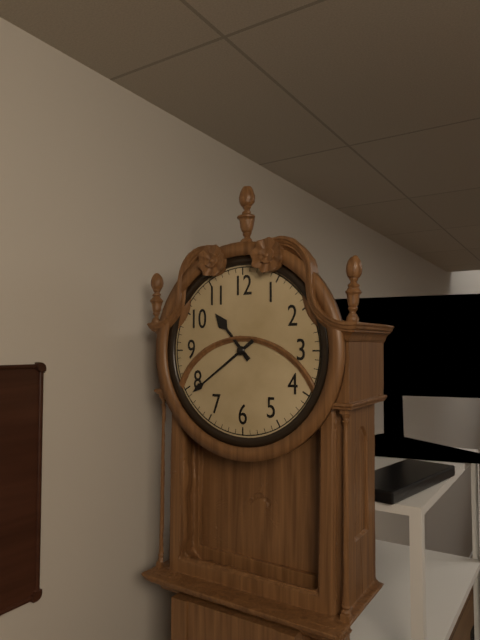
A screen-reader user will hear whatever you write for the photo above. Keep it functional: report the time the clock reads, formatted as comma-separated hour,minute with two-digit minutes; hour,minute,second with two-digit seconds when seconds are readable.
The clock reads 10,39
